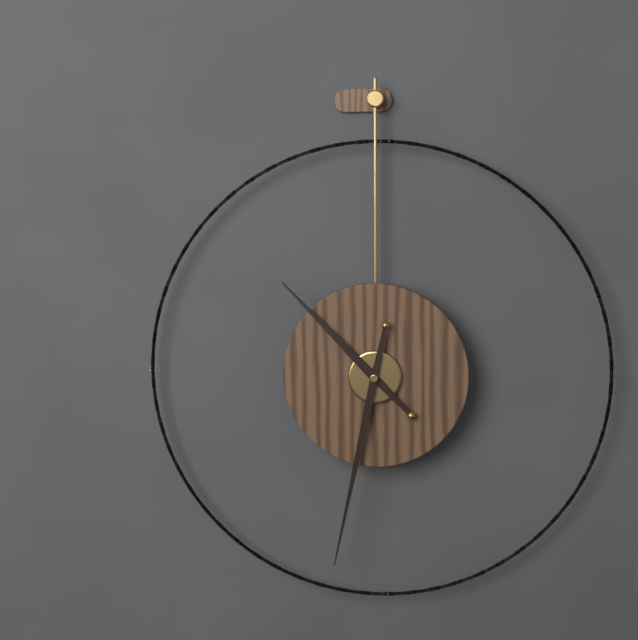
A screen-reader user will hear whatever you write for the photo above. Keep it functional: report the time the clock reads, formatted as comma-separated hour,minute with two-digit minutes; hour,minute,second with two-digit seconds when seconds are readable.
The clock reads 10,32
